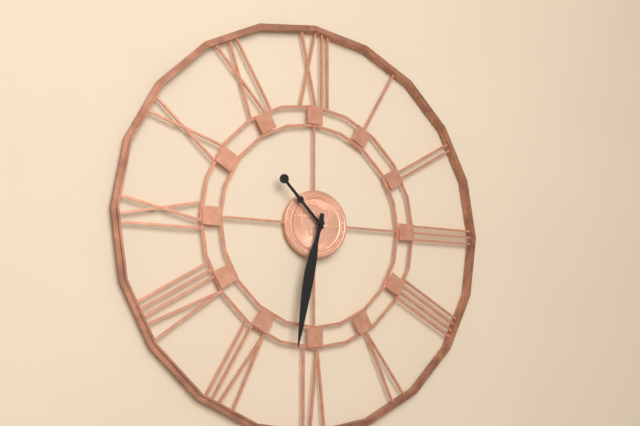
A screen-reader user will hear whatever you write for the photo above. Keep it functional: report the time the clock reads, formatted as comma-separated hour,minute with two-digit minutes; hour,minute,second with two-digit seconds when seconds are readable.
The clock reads 10,32
